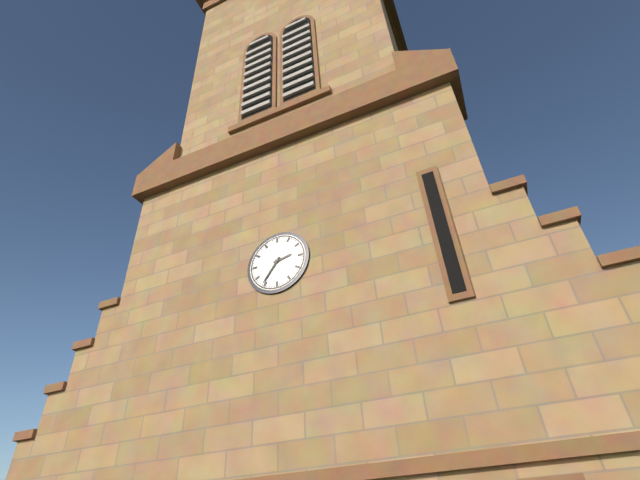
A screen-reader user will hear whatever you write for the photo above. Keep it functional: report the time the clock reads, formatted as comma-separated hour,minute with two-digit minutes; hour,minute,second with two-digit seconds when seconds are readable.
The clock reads 2,36
